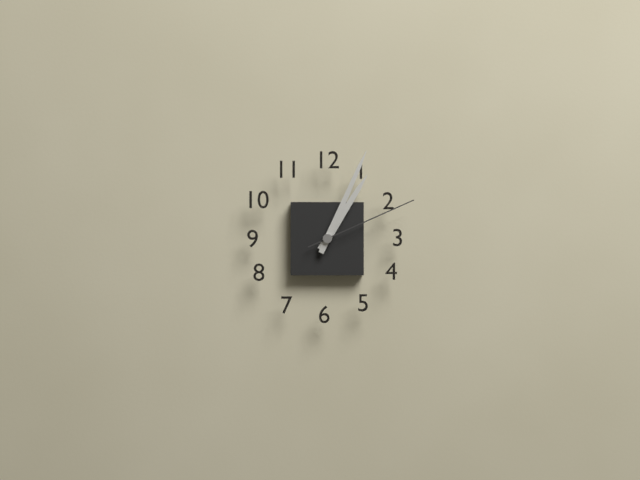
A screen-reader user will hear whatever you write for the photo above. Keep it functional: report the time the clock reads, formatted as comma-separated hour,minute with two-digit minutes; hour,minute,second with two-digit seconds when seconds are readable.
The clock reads 1,04,11
